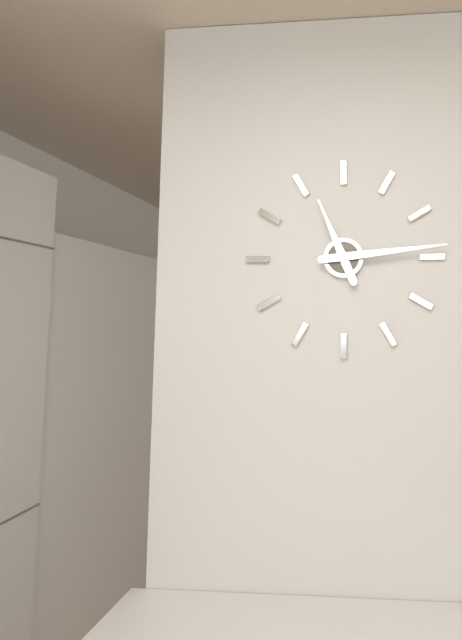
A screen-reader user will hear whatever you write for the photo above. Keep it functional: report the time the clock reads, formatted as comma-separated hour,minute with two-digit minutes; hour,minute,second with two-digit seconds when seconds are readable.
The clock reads 11,14
